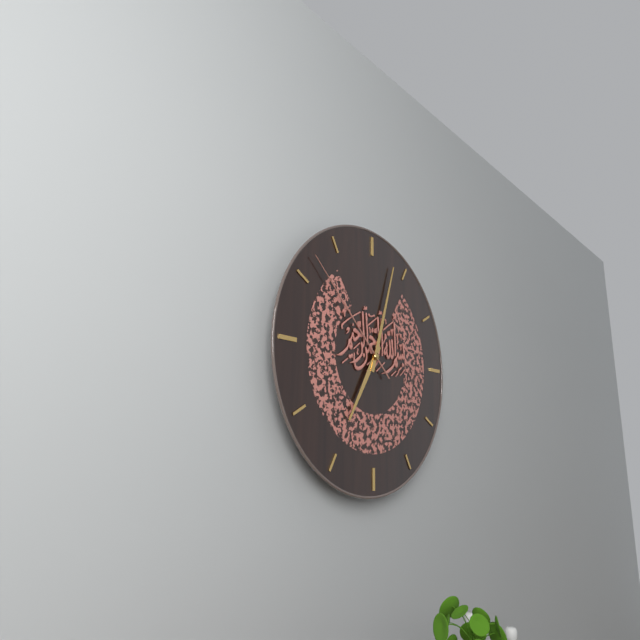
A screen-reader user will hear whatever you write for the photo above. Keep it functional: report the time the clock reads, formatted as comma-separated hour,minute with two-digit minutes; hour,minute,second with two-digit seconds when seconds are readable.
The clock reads 7,03,52
